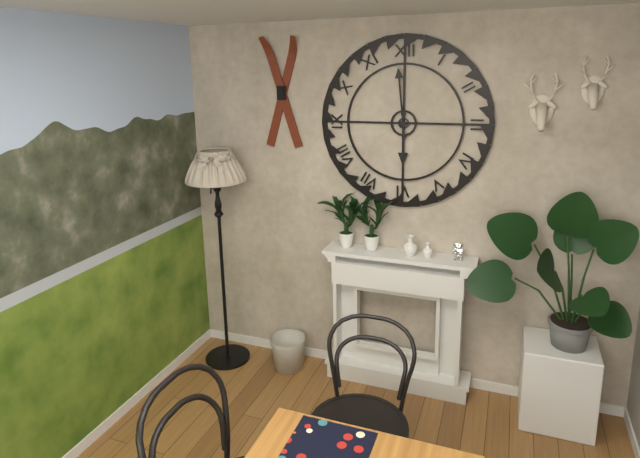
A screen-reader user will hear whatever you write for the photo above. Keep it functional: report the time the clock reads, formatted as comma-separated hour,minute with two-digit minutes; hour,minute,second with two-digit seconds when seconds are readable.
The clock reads 5,59
